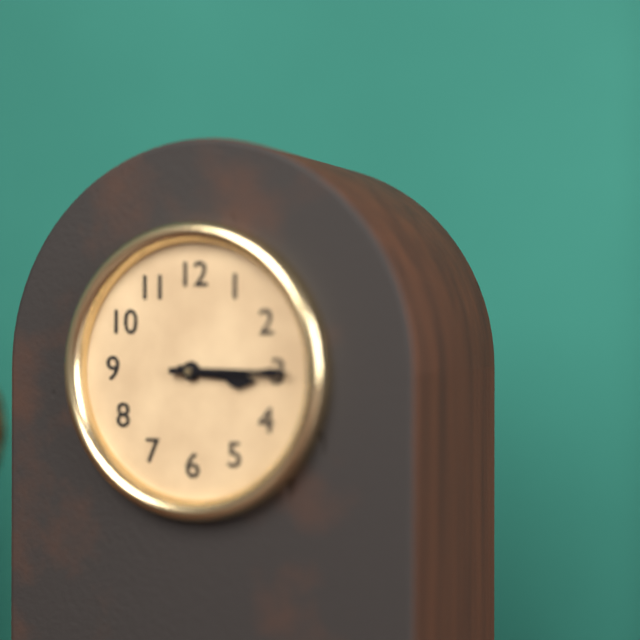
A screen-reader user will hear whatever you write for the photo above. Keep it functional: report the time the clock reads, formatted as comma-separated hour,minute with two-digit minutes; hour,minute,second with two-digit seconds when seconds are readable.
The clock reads 3,15
